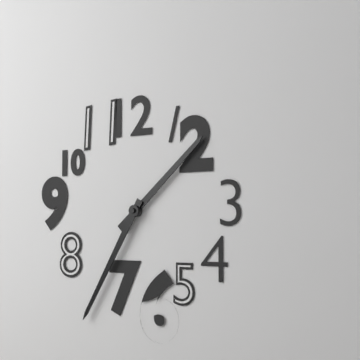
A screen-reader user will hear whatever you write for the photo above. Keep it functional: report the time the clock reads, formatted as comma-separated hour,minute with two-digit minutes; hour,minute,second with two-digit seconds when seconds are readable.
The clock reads 1,35
